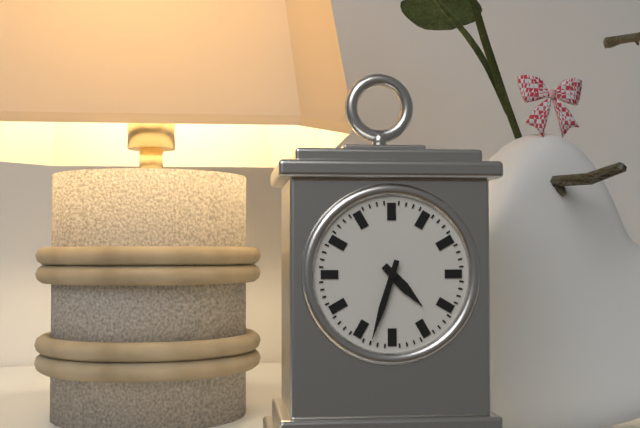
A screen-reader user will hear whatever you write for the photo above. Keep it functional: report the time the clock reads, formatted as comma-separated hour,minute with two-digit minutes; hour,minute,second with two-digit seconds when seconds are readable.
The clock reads 4,33
